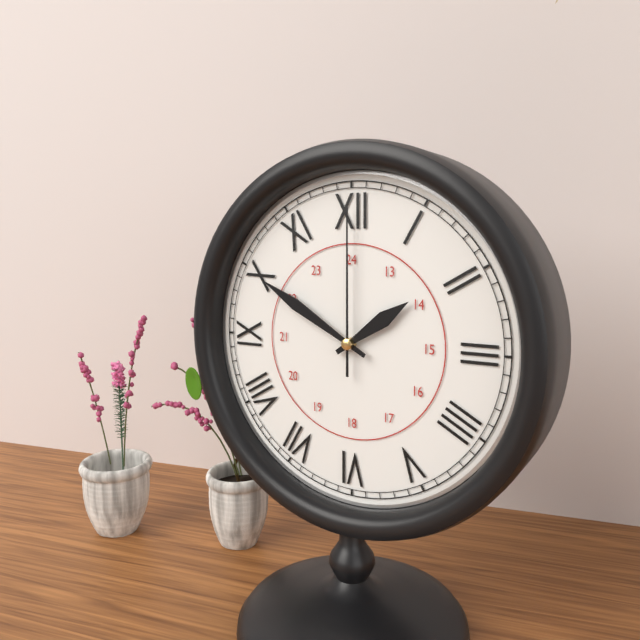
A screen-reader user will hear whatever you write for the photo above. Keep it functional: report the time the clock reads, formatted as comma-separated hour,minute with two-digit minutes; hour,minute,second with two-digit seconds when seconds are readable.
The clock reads 1,50,00
